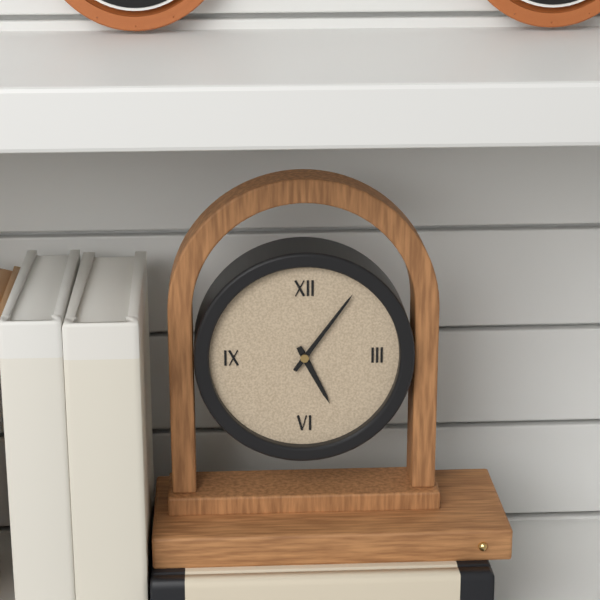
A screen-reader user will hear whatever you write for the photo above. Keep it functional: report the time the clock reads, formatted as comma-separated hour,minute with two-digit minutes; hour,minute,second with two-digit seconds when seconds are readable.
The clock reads 5,06
